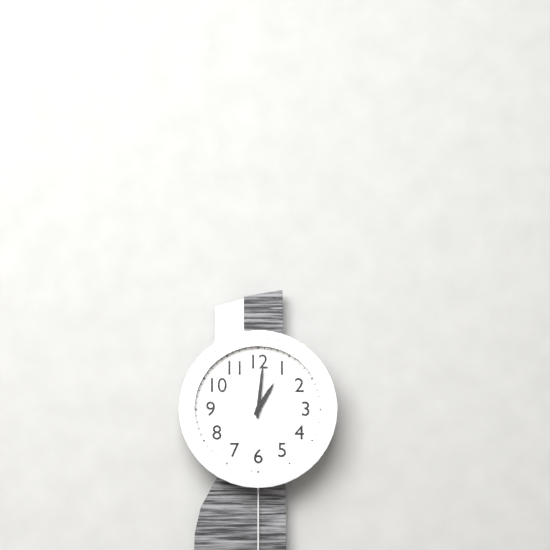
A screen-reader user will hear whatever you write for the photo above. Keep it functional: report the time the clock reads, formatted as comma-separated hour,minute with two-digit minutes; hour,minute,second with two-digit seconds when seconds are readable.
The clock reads 1,01
